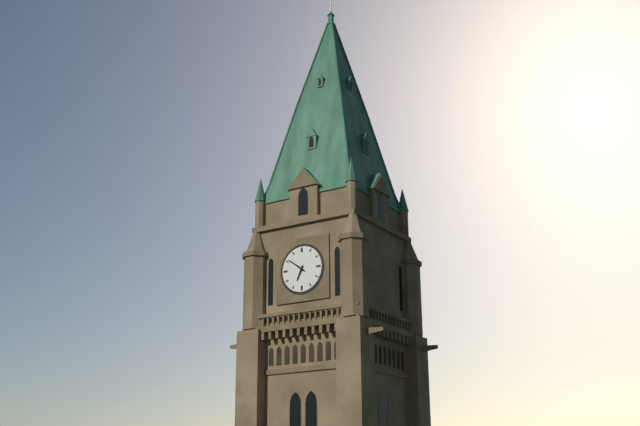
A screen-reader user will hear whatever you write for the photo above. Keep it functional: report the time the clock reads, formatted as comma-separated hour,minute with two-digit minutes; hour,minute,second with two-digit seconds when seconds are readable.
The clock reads 6,51
